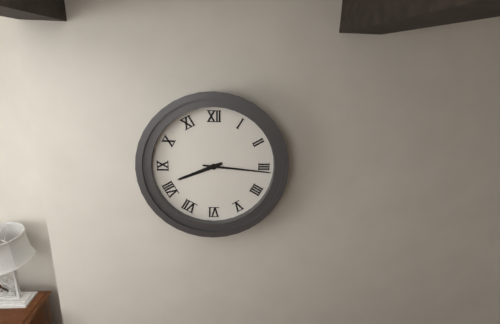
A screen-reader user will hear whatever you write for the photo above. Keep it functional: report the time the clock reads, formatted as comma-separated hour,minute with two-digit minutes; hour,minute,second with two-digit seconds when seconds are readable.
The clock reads 8,16
